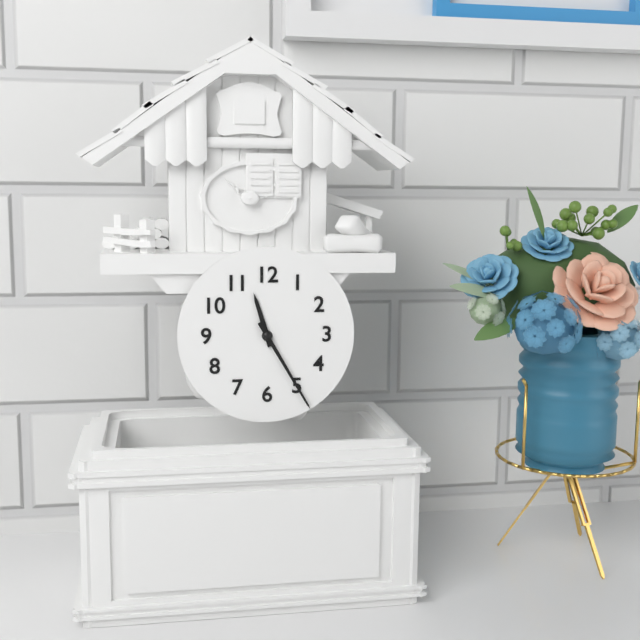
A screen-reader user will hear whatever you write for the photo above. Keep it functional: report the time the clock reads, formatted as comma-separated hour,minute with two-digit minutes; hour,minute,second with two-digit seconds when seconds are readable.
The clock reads 11,25
